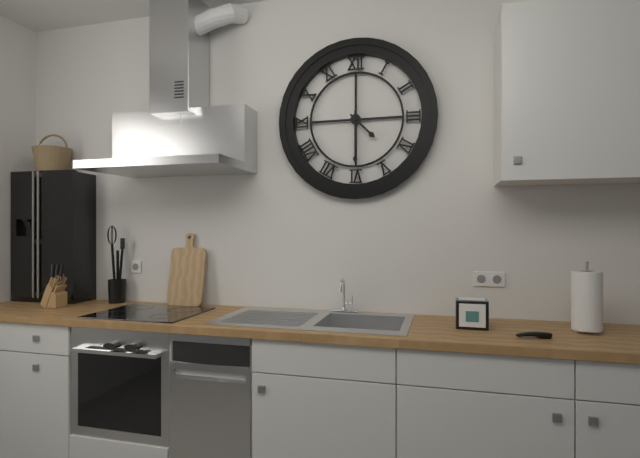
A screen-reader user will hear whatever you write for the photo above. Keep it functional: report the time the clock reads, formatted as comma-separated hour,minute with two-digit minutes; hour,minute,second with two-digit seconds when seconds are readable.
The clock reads 4,30
